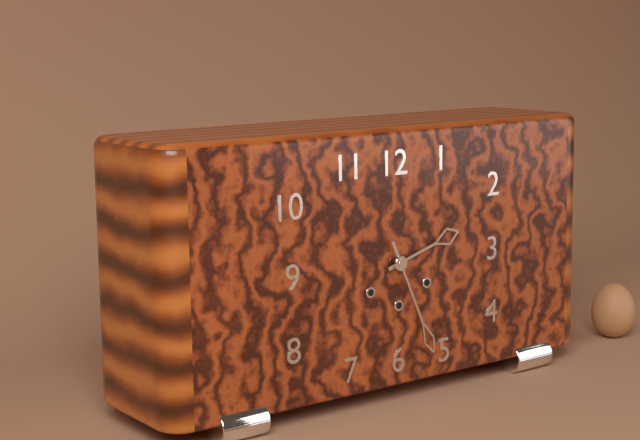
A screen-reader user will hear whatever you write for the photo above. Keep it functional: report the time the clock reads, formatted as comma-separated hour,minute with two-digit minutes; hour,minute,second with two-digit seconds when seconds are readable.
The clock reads 2,26
